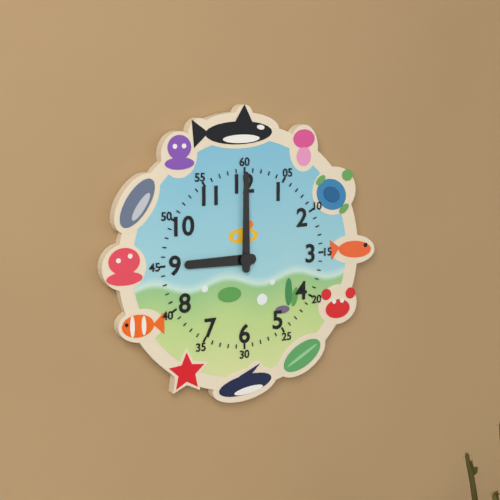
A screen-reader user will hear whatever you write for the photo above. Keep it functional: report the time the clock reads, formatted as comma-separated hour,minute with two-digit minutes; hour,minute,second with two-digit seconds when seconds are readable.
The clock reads 9,00
